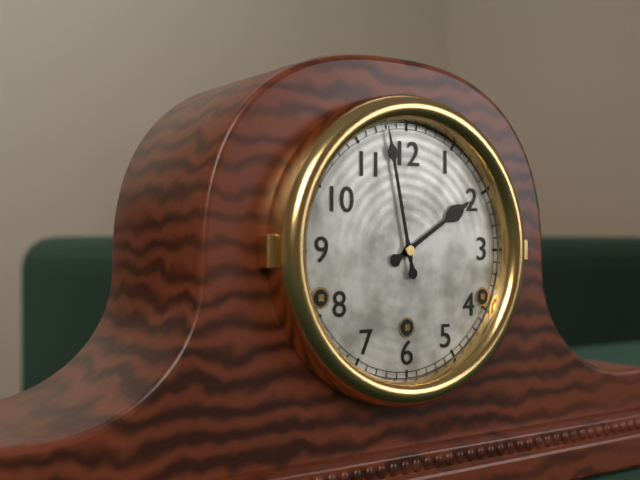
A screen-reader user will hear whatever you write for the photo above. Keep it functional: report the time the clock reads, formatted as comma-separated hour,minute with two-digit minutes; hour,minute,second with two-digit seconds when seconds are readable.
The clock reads 1,58
